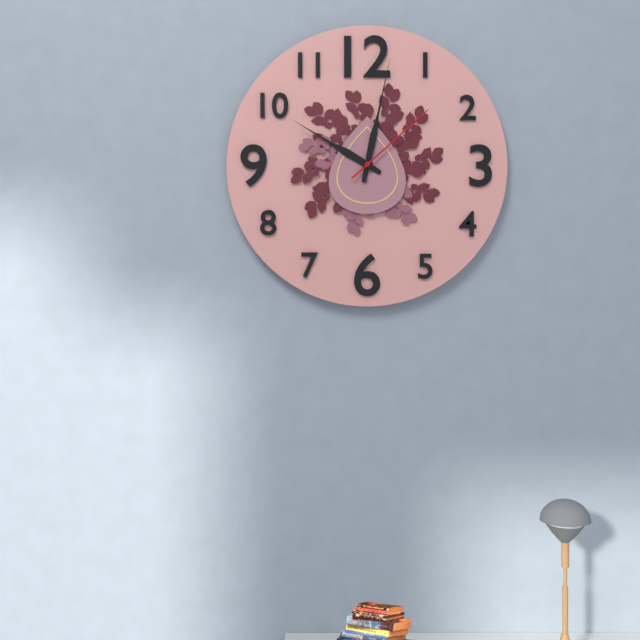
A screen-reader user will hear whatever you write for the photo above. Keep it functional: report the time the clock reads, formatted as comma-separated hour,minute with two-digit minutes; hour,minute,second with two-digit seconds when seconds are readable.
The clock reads 10,02,08
